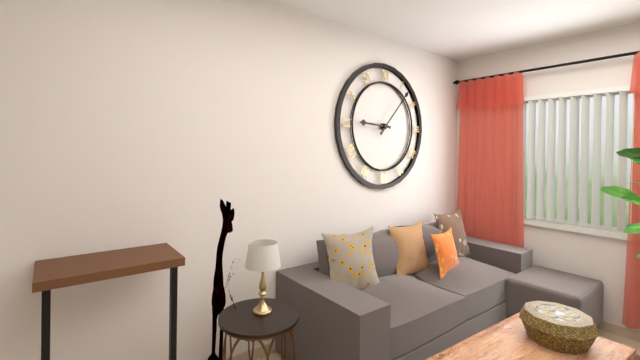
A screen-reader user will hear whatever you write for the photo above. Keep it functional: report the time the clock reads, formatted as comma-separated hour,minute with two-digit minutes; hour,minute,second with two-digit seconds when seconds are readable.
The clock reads 9,07
